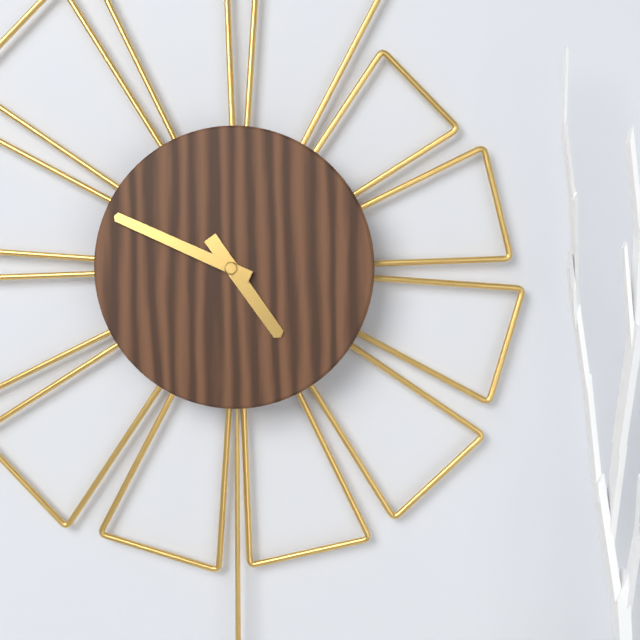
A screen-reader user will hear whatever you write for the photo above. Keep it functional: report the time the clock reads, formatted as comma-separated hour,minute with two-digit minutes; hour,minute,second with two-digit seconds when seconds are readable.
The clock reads 4,49
